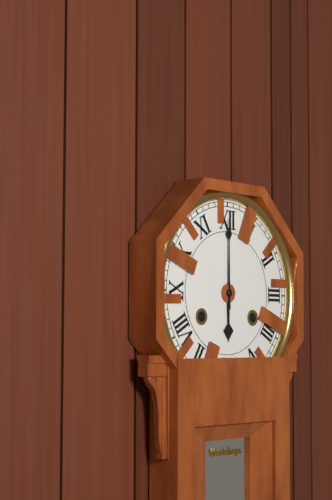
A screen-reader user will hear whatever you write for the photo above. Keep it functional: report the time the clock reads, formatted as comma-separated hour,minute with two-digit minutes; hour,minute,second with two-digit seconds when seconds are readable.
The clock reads 6,00
